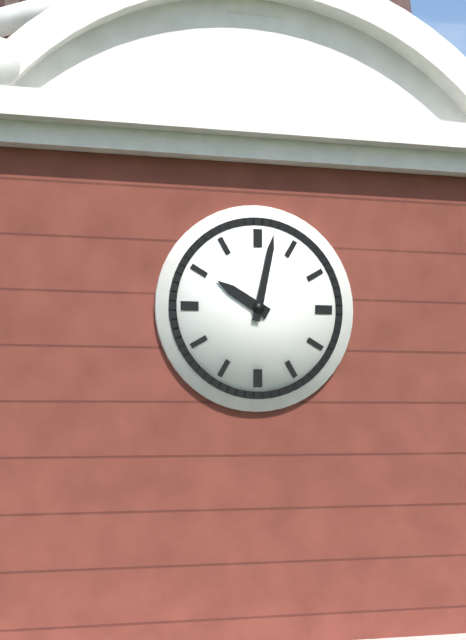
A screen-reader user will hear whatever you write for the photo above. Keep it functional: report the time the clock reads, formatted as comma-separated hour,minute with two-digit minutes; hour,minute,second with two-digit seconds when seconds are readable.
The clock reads 10,02
